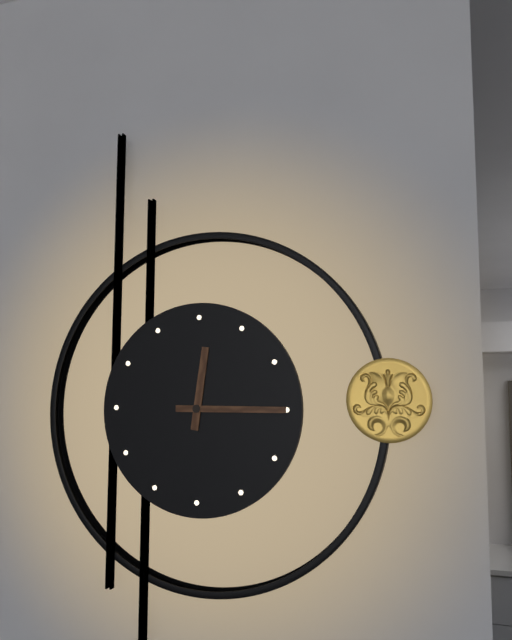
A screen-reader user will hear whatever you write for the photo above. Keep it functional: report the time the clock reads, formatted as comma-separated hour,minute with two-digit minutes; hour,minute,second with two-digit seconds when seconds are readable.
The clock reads 12,15
